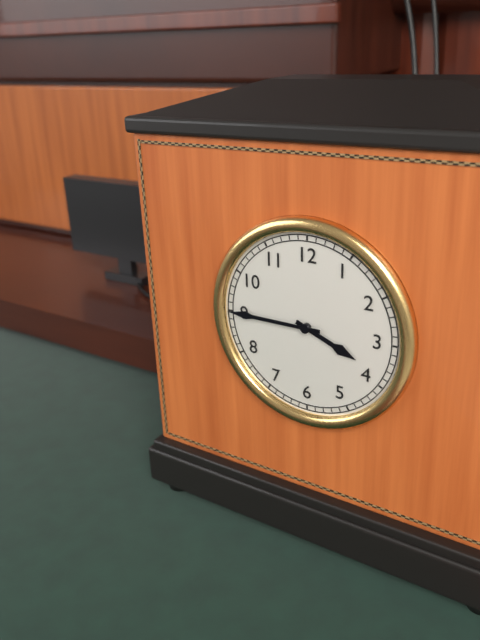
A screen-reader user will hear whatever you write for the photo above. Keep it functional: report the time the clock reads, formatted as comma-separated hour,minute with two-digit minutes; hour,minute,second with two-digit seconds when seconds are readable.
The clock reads 3,45
